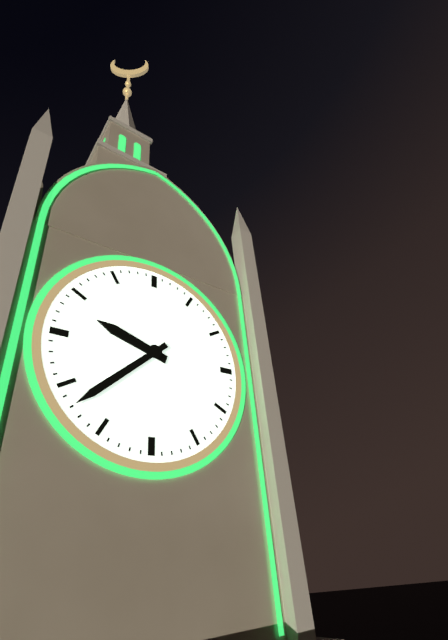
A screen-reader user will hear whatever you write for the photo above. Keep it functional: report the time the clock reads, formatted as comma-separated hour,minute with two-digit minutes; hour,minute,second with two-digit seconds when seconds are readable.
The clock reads 9,38
